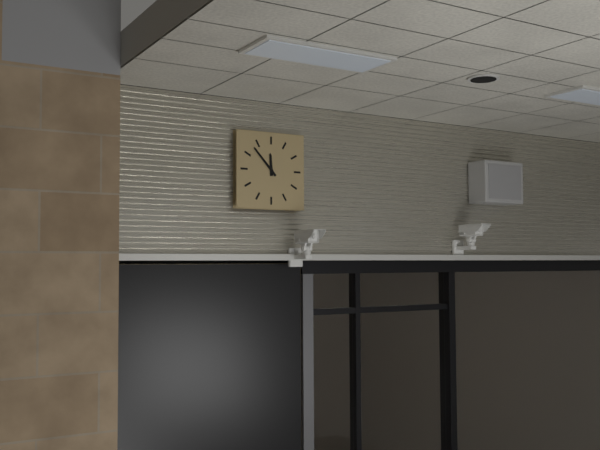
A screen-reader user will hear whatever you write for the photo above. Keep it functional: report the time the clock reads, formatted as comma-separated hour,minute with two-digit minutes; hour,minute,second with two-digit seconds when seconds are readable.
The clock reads 11,53
